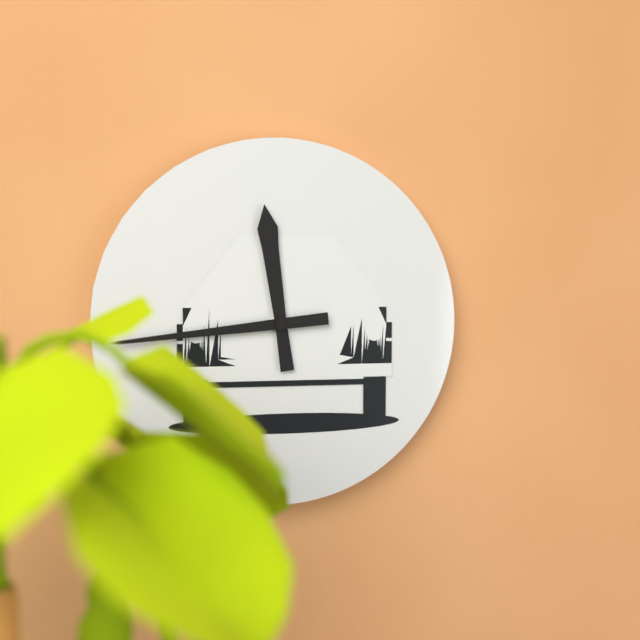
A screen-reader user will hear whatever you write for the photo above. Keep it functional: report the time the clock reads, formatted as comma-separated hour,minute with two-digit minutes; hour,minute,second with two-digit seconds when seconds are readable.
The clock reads 11,44
